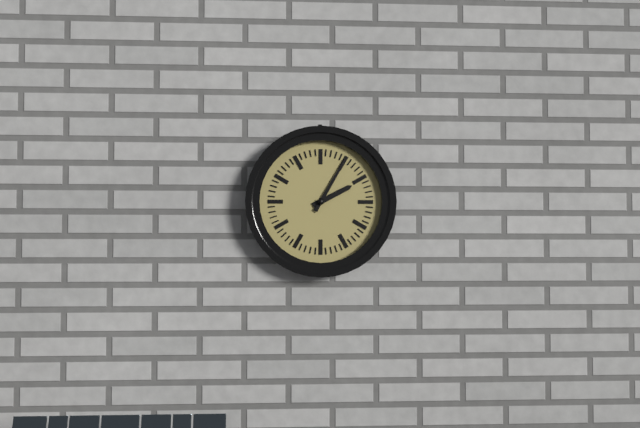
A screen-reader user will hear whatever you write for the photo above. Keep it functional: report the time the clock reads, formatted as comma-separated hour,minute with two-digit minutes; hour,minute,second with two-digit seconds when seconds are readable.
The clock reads 2,05
